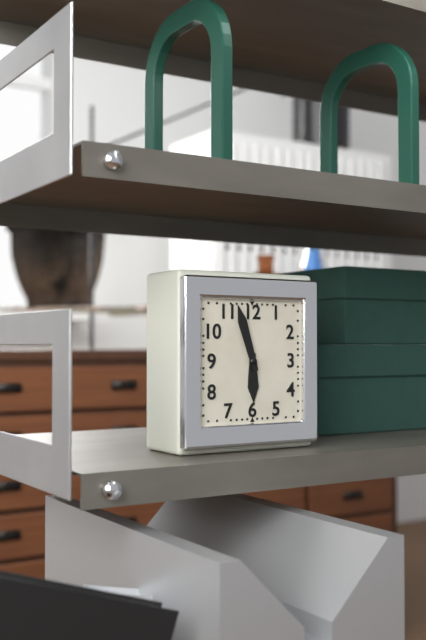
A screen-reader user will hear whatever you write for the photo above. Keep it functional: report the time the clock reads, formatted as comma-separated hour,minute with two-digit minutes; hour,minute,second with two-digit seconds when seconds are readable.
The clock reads 5,57
